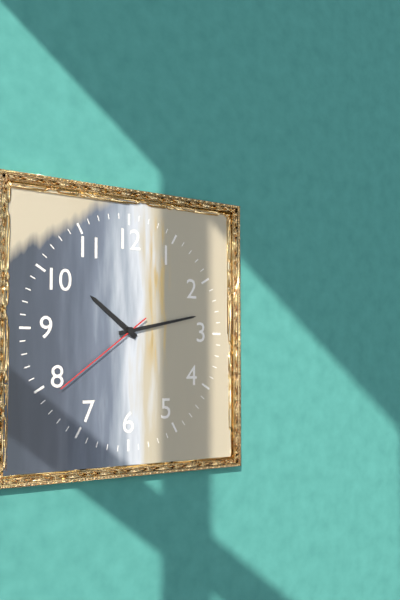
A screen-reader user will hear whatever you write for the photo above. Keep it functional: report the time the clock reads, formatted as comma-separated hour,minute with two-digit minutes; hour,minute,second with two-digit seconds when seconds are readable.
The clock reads 10,13,39
